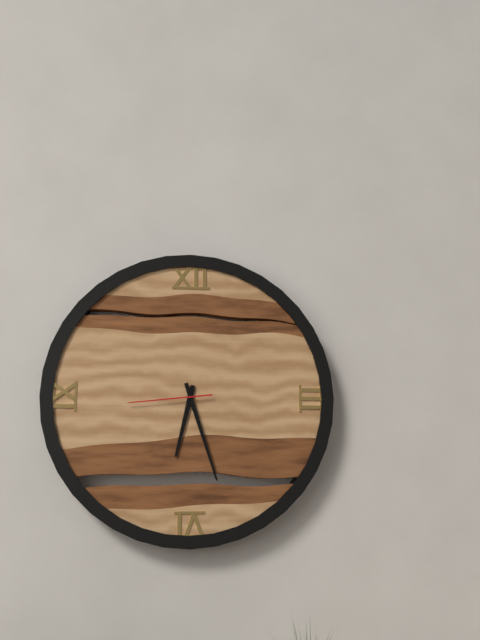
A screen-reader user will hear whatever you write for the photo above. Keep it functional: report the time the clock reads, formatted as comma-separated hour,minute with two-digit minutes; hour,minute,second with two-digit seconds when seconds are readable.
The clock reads 6,27,44
